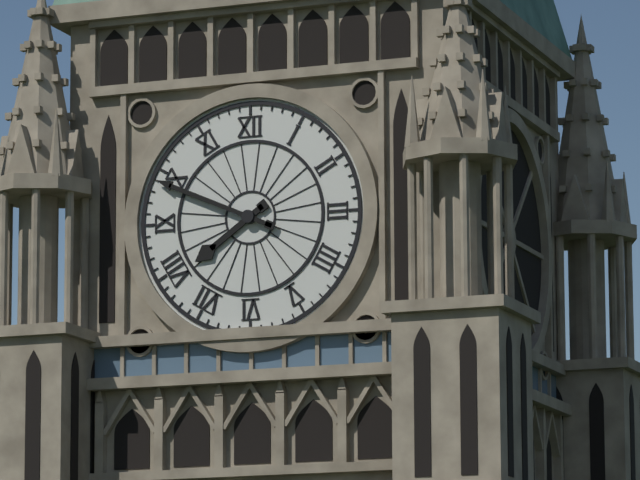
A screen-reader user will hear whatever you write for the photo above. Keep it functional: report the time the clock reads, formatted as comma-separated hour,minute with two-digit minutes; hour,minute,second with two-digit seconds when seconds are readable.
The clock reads 7,49
